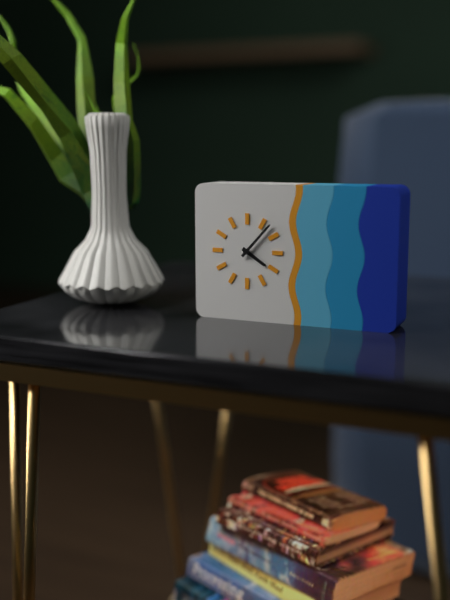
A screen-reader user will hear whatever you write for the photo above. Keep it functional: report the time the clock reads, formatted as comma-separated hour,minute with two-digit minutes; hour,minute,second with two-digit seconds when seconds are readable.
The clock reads 4,07
